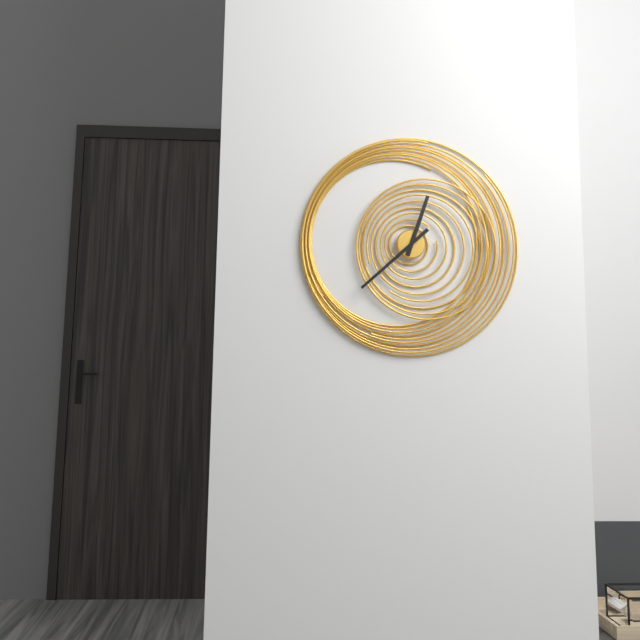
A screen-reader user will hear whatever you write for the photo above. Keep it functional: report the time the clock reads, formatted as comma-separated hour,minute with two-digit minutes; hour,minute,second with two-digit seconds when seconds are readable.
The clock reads 12,38
